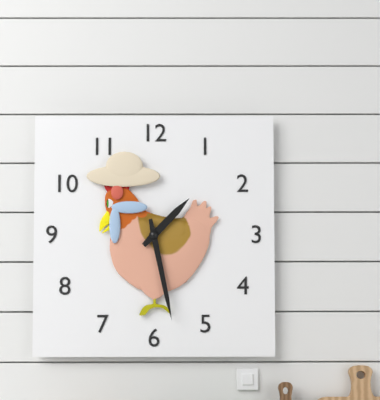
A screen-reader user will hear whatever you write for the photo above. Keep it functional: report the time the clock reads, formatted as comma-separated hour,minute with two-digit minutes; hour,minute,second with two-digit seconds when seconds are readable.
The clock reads 1,28
